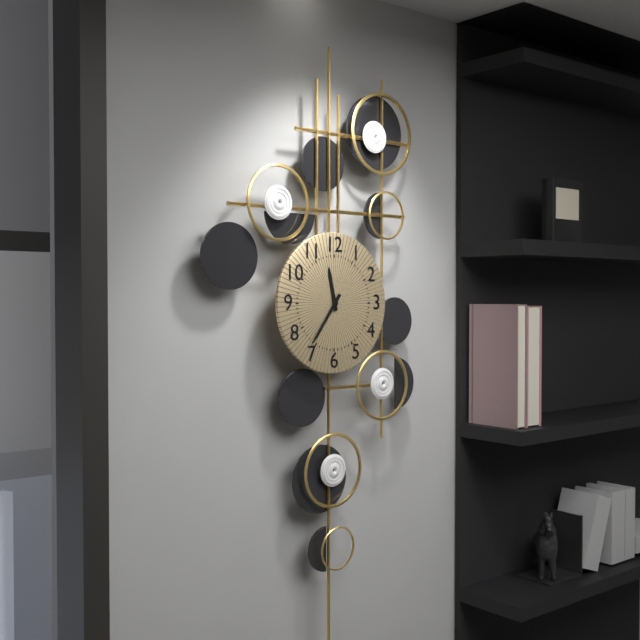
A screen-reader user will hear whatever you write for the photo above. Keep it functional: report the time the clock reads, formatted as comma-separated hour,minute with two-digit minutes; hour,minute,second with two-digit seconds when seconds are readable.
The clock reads 11,36
